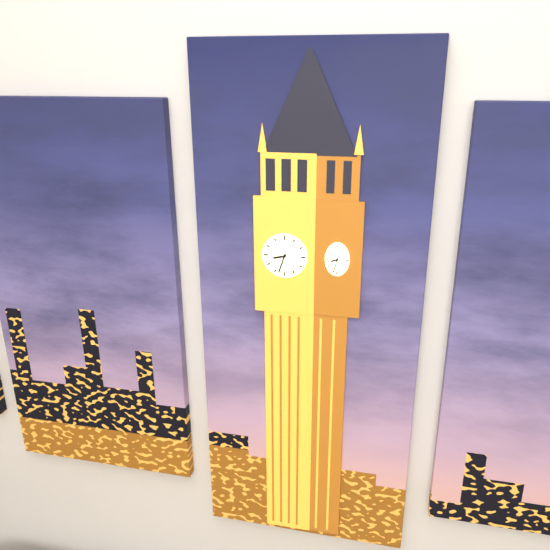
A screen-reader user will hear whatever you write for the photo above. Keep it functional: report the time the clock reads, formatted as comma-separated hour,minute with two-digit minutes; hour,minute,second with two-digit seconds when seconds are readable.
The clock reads 8,33
